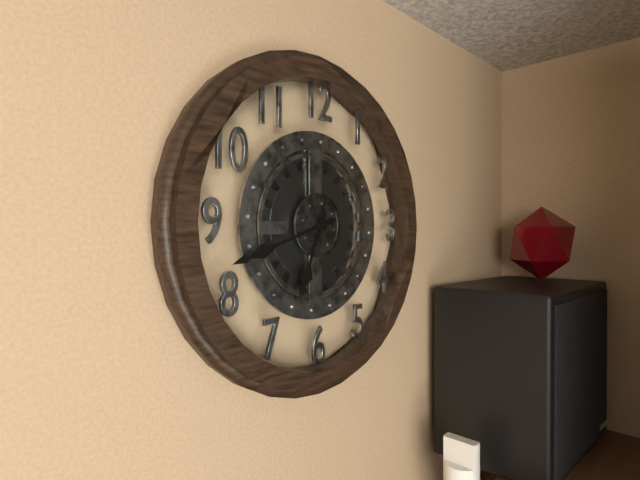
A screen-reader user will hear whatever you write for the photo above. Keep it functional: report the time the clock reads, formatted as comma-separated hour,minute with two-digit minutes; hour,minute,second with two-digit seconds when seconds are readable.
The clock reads 6,42
